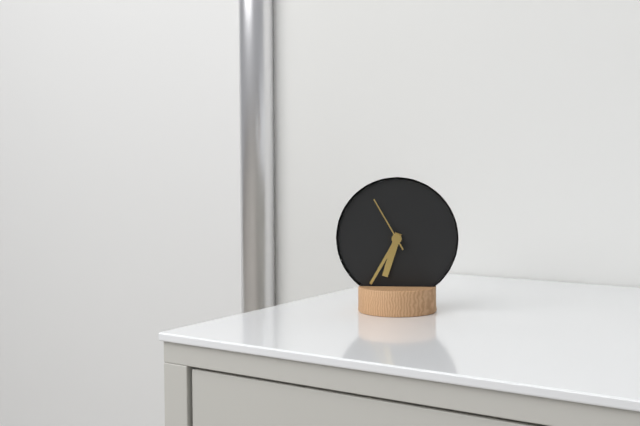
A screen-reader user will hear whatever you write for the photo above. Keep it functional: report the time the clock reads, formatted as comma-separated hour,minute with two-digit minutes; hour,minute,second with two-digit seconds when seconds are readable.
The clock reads 6,35,55
